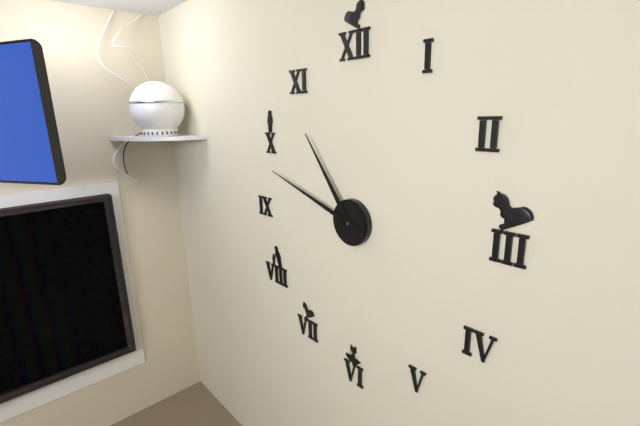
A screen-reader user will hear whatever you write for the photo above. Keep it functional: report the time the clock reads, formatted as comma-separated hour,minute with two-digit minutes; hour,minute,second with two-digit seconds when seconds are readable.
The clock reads 10,48
